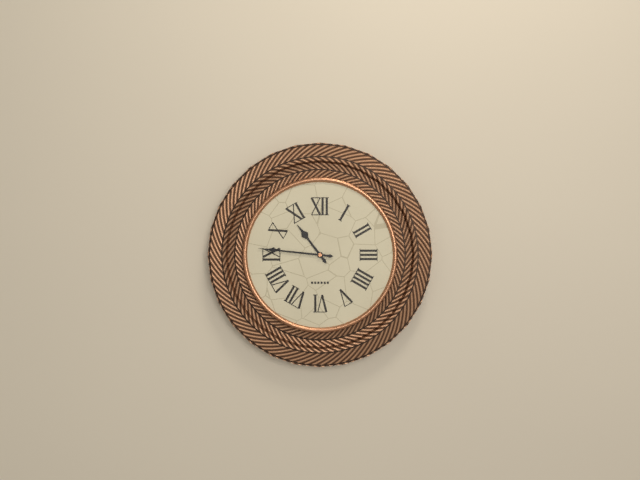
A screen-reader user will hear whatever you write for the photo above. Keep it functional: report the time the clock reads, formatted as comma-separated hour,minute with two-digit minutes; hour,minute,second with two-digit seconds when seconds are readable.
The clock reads 10,46
